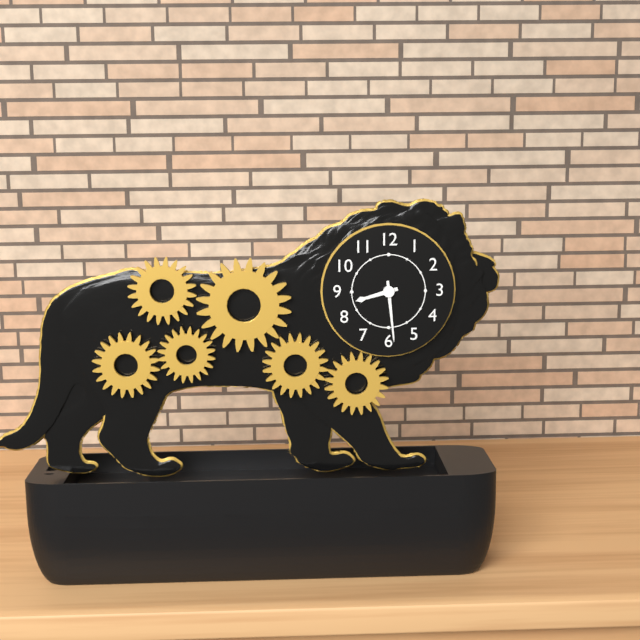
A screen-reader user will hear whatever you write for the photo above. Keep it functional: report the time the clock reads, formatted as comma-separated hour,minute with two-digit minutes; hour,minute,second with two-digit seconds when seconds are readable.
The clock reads 8,29
